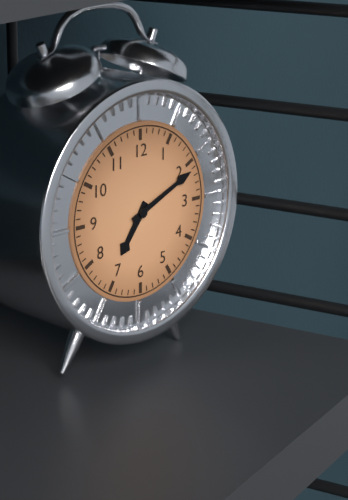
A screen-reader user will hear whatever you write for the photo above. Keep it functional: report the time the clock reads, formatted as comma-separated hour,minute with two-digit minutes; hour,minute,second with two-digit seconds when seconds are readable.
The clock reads 7,11
